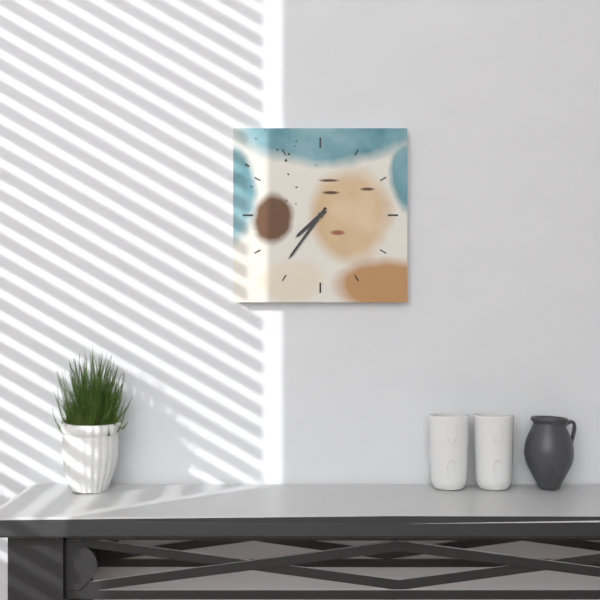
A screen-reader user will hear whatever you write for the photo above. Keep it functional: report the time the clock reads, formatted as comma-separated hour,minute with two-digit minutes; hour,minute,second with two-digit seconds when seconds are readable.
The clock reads 7,36
